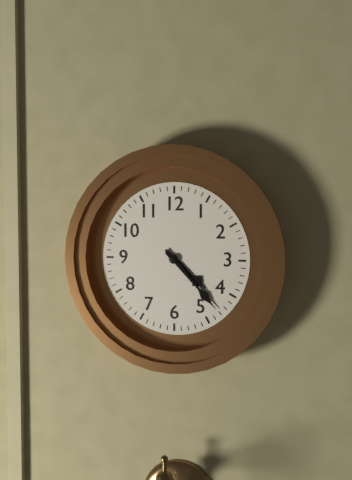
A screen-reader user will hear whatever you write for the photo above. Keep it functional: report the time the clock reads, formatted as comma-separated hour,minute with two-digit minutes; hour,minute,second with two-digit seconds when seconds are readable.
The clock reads 4,23
